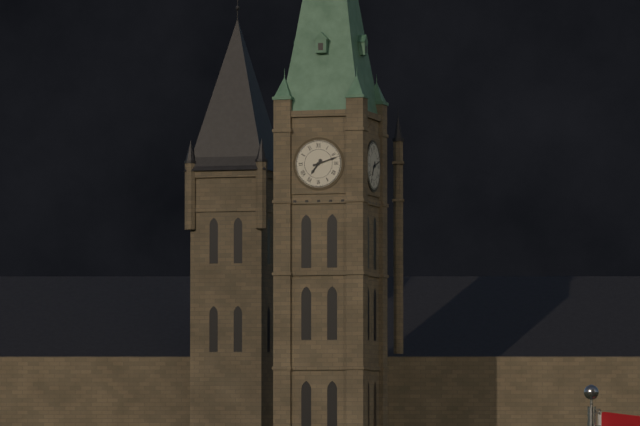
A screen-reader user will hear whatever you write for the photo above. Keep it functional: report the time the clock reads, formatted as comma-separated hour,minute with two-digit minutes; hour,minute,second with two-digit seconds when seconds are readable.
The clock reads 7,12
